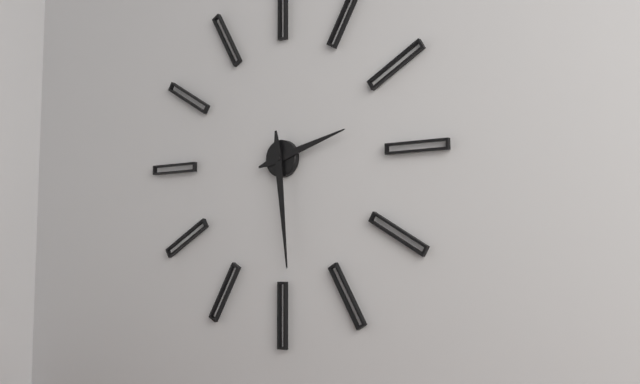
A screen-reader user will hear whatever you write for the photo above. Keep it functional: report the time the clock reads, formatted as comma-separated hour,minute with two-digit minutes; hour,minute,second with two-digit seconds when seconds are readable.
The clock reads 2,29
